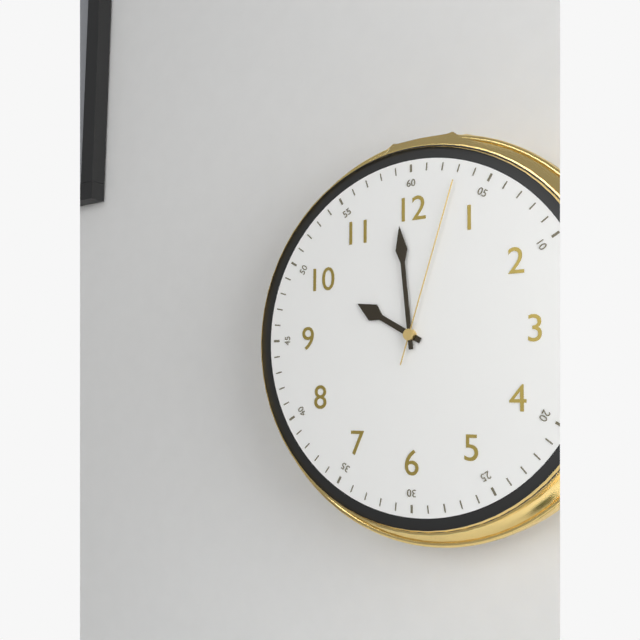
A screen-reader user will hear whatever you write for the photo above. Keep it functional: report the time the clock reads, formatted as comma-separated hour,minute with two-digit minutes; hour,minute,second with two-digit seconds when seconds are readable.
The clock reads 9,59,03
